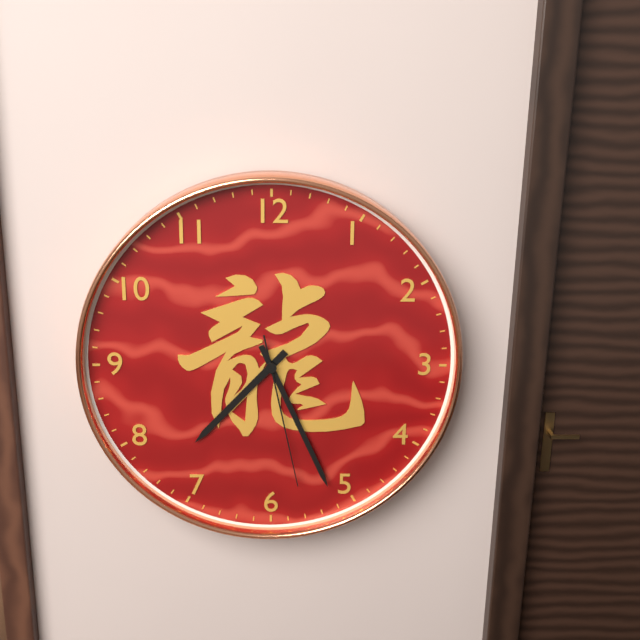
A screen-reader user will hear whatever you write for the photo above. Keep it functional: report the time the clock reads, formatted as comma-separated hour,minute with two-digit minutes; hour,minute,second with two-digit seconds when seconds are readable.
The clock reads 7,26,28
